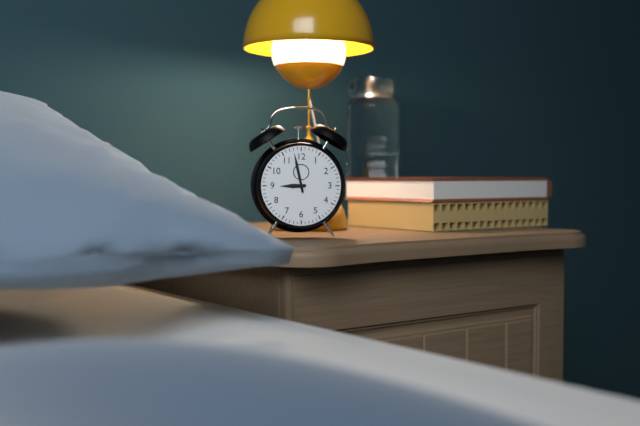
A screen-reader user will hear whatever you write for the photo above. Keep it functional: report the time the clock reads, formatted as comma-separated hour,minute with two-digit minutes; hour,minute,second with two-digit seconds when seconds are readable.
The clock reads 8,58
